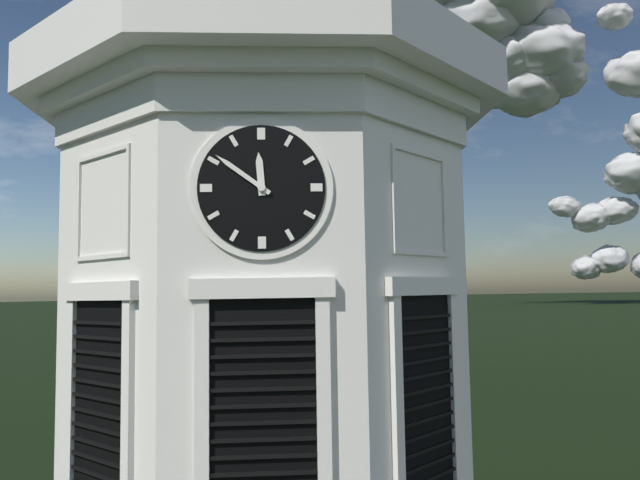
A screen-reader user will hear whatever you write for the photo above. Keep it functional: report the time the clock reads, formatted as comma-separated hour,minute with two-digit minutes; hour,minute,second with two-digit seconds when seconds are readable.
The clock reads 11,51
